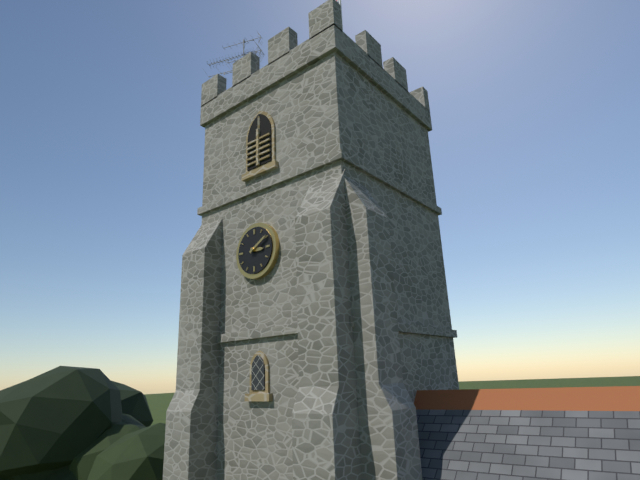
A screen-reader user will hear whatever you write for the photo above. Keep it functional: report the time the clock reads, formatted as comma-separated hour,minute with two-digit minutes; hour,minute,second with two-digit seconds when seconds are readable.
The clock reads 3,10
